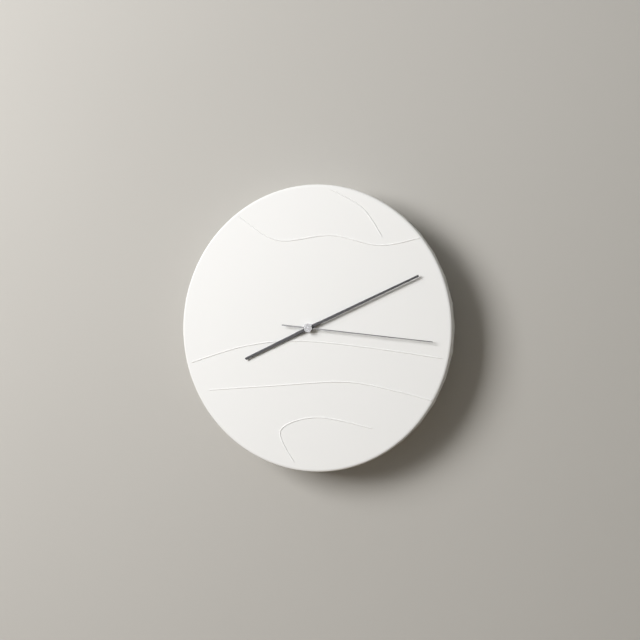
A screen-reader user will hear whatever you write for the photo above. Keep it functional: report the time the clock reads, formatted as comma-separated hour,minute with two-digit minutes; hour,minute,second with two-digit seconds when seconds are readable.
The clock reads 8,11,16
